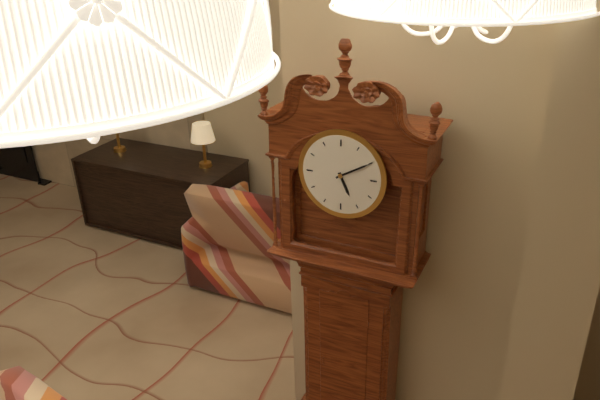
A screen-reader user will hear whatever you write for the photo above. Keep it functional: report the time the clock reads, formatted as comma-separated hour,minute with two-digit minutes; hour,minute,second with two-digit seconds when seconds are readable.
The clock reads 5,10
